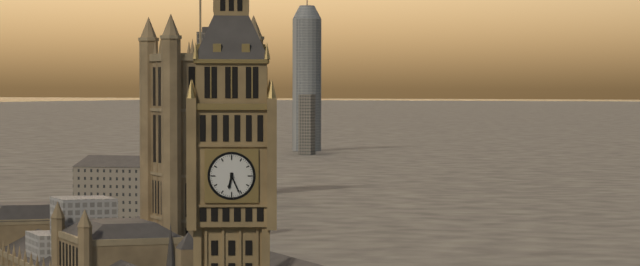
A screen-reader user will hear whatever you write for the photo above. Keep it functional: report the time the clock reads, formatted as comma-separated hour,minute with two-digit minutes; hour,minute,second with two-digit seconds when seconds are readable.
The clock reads 6,26
